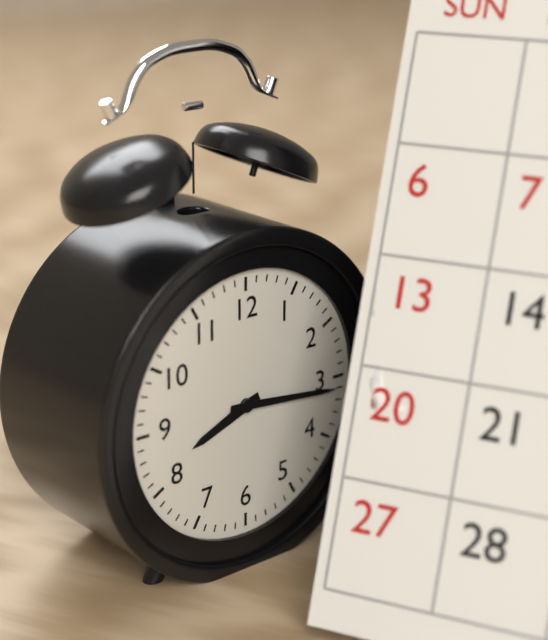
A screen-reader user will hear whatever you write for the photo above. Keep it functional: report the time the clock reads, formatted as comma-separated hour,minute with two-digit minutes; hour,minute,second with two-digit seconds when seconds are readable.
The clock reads 8,16
